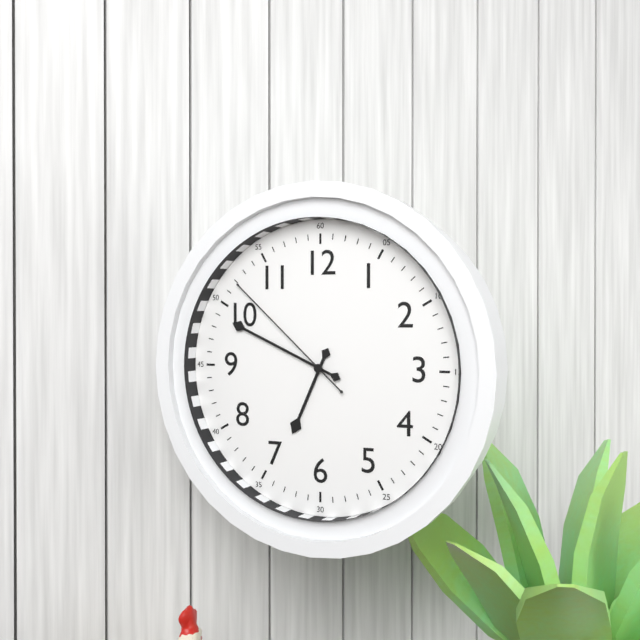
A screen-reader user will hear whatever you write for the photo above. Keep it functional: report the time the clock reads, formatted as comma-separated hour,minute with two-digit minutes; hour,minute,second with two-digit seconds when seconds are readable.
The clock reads 6,49,52
